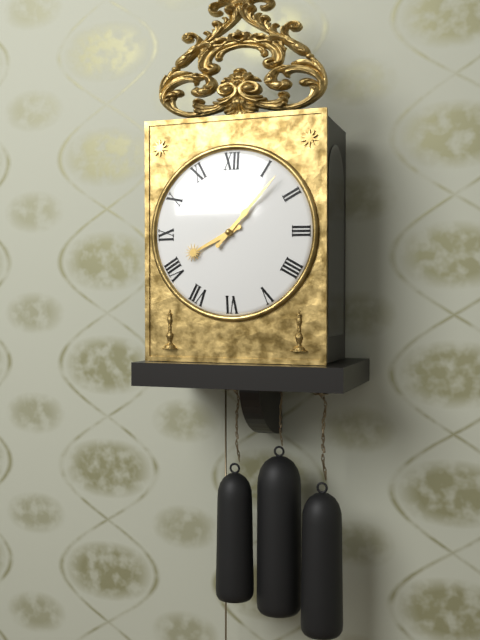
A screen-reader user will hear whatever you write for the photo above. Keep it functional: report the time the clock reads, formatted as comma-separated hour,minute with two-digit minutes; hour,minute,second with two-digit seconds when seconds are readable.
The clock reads 8,07
